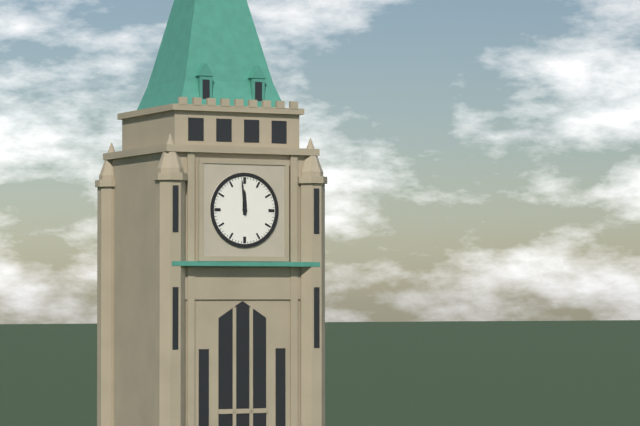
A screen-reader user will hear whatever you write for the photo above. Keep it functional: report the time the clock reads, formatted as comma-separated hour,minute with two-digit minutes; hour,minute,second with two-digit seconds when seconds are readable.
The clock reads 11,59
